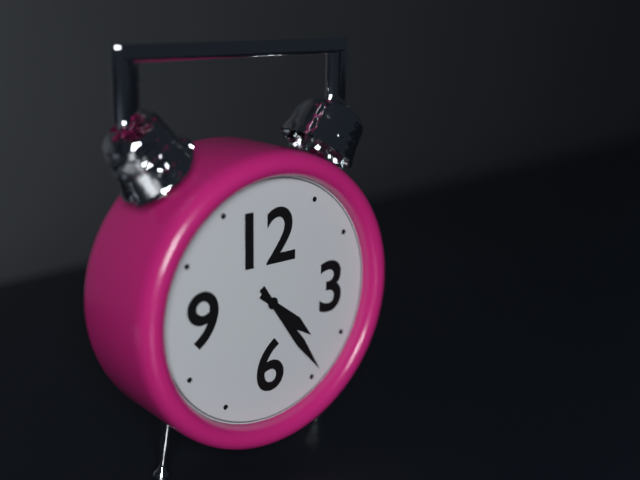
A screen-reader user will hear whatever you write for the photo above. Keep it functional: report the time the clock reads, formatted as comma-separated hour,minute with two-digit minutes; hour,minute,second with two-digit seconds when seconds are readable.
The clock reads 4,24
